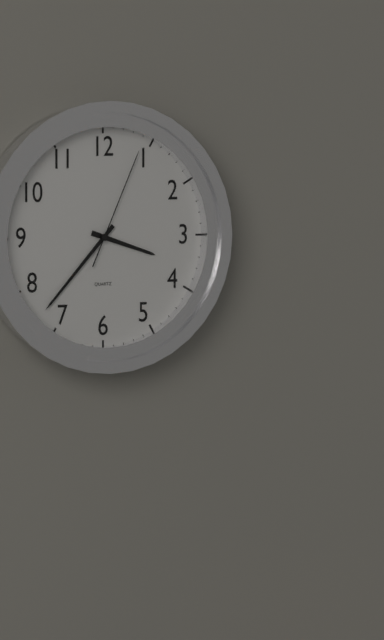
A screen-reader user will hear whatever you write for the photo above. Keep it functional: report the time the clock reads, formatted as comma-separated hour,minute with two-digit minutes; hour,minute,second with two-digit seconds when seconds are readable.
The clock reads 3,37,04
